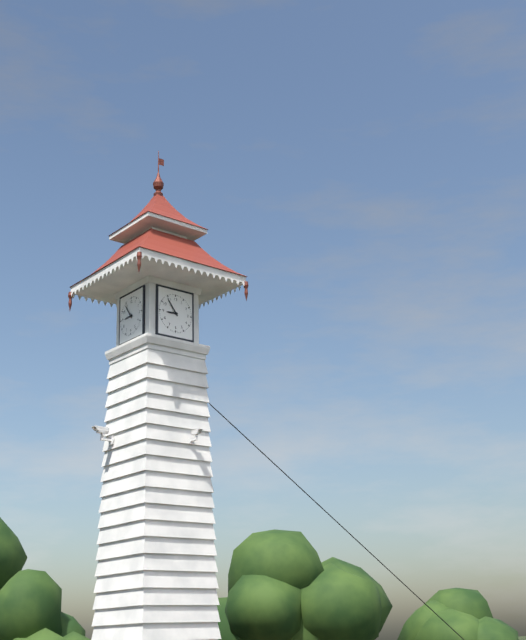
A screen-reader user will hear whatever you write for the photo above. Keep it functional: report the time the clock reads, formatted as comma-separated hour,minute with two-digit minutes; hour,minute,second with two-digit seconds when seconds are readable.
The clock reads 8,54
